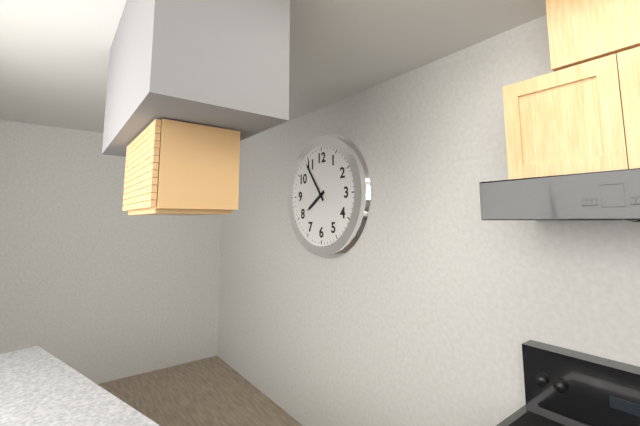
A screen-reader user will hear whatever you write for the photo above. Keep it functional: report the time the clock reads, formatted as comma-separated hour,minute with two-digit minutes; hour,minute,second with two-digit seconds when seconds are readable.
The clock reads 7,54
